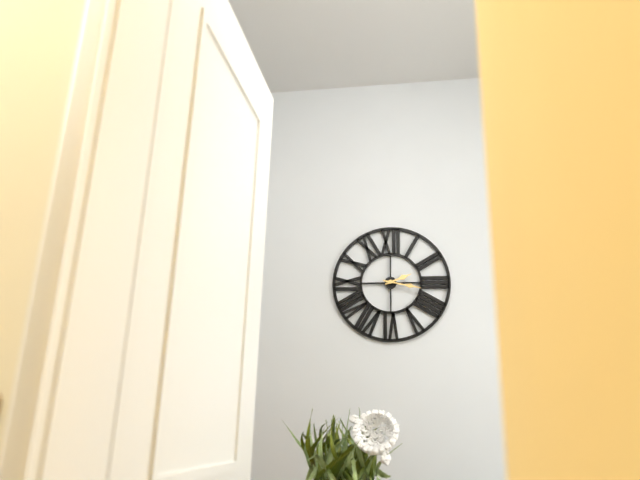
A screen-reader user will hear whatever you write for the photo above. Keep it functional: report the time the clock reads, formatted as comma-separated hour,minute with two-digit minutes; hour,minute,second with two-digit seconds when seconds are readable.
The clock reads 2,17
